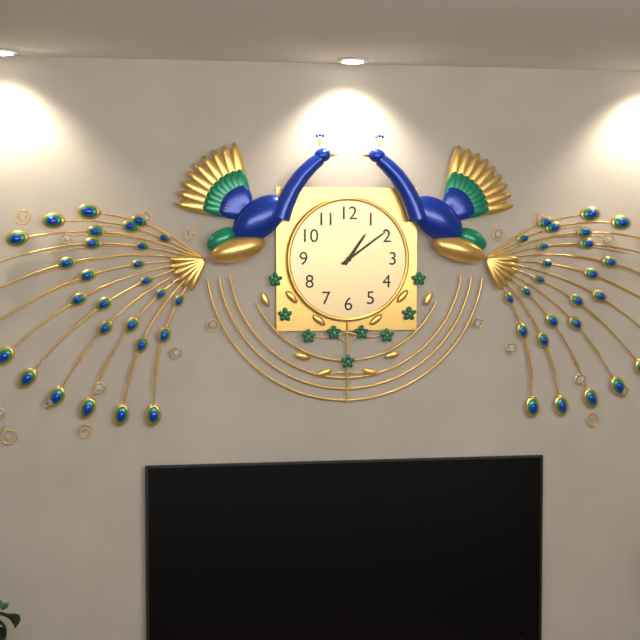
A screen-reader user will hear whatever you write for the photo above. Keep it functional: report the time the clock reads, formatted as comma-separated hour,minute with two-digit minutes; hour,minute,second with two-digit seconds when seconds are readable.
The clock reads 1,09
